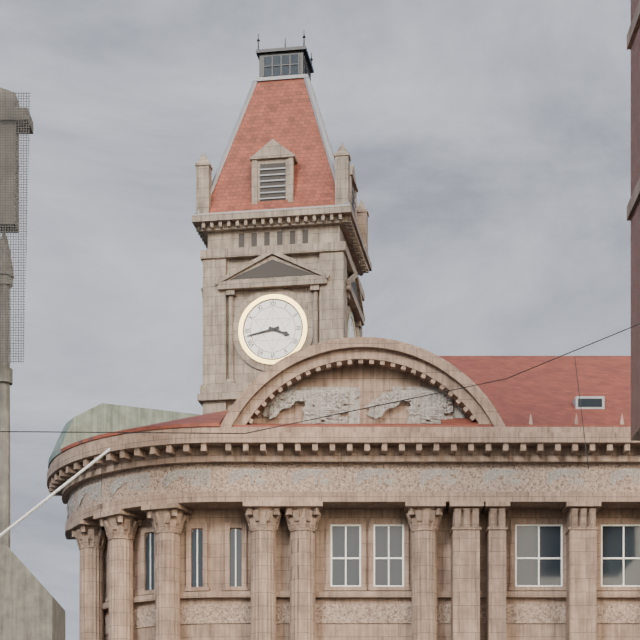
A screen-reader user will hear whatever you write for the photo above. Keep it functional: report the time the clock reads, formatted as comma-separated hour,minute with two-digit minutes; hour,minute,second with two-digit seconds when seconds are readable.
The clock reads 3,43
